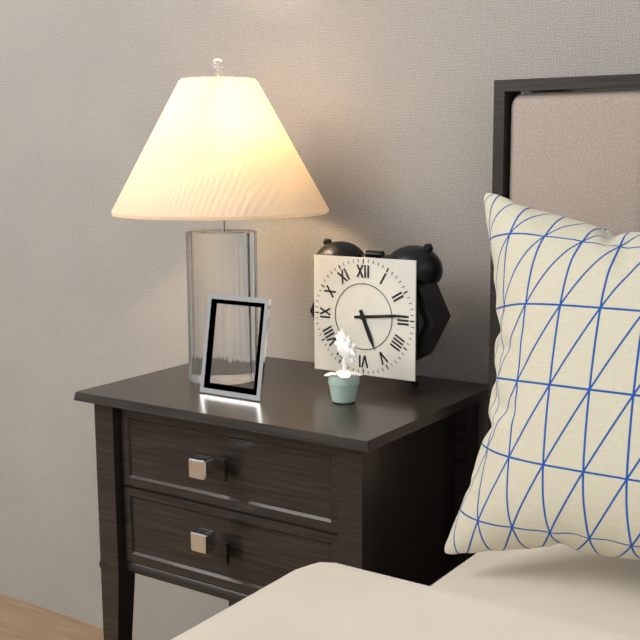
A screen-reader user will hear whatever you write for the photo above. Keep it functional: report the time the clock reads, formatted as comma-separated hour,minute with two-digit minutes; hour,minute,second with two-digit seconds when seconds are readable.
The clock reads 5,14
